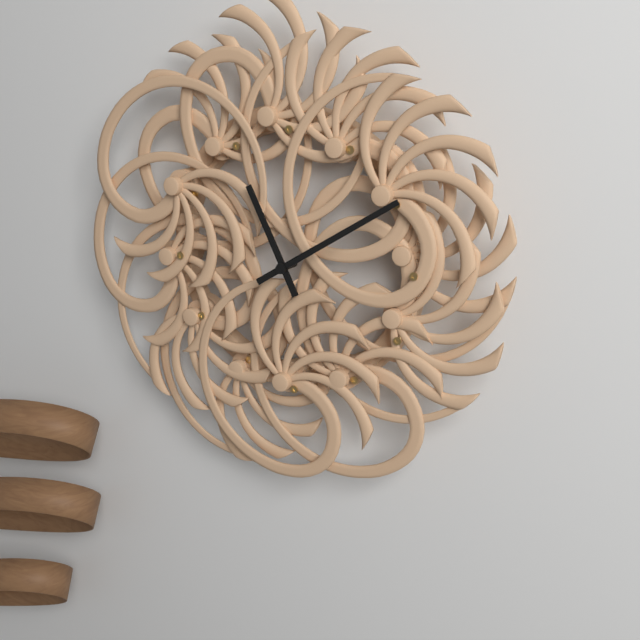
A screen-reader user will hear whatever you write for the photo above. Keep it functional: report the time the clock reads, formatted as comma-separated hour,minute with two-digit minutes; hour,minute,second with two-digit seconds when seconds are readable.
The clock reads 11,10
